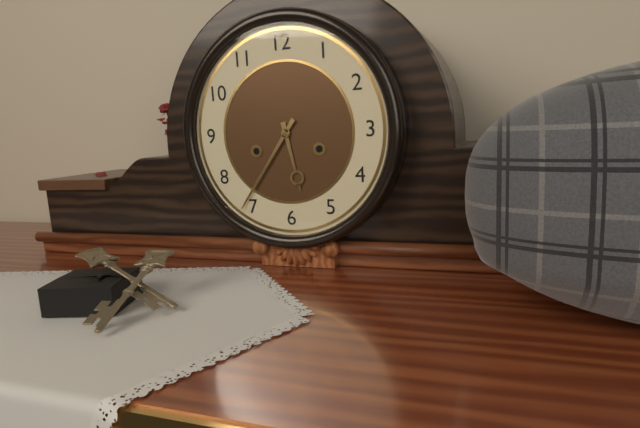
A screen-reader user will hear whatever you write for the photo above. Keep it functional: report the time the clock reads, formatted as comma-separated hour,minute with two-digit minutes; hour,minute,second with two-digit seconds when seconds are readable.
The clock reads 5,36
